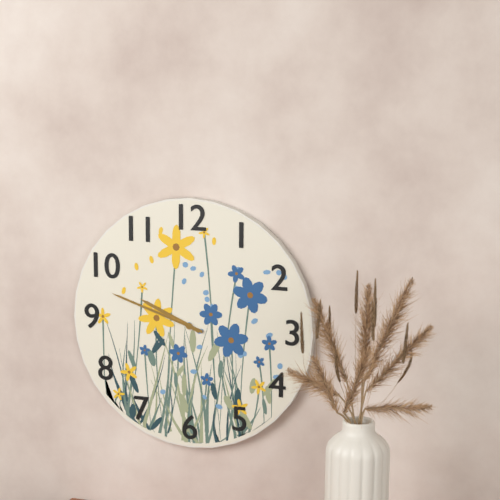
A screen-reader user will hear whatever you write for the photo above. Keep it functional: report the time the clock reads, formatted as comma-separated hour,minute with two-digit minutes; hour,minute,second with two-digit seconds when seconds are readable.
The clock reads 9,48
